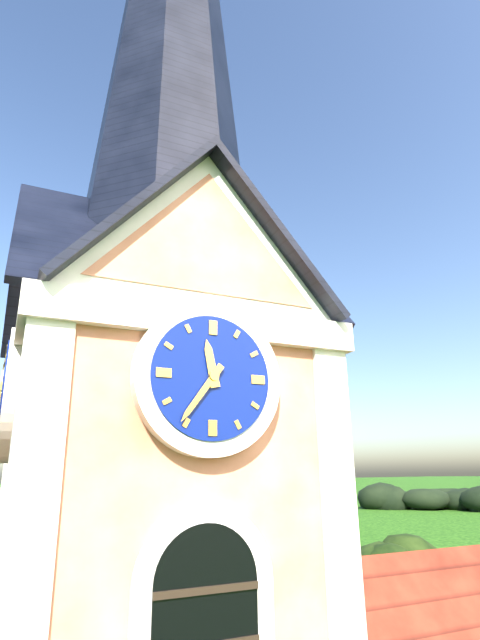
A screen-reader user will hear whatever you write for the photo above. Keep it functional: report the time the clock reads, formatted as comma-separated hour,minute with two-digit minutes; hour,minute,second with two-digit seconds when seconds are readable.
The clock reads 11,36
